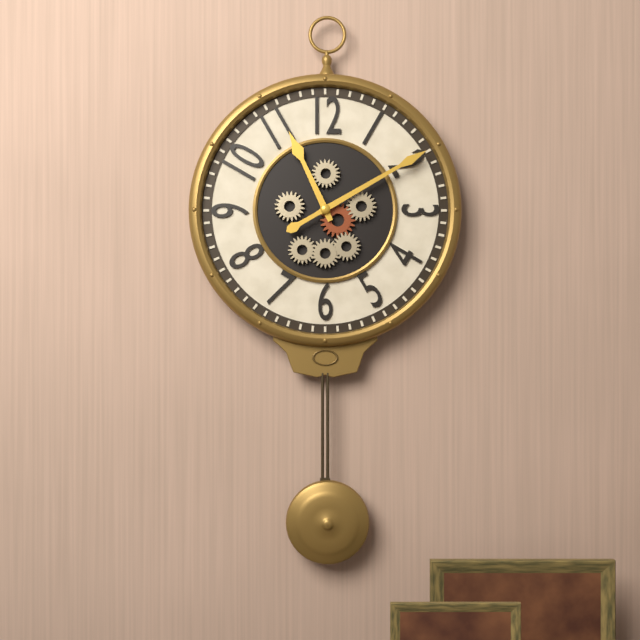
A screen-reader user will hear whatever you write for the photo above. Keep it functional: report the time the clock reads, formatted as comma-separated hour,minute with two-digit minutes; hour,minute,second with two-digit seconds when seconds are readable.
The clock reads 11,10
